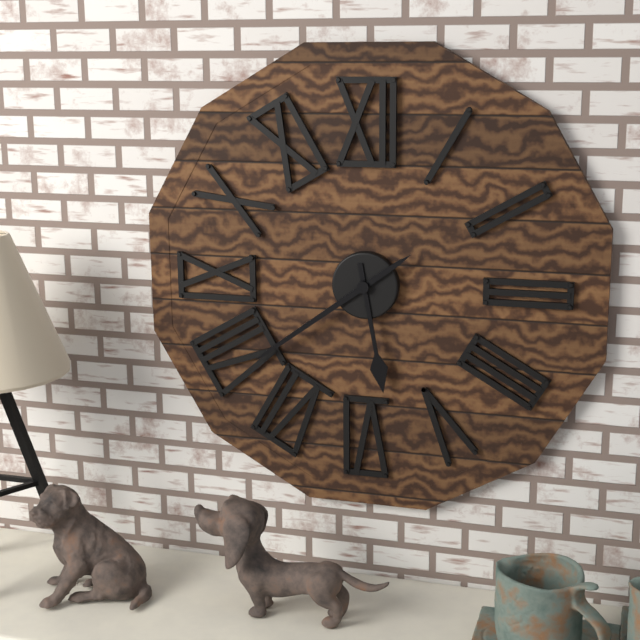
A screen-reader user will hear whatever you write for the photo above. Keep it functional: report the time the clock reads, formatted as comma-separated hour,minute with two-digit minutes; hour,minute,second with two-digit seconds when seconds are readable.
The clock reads 5,39
